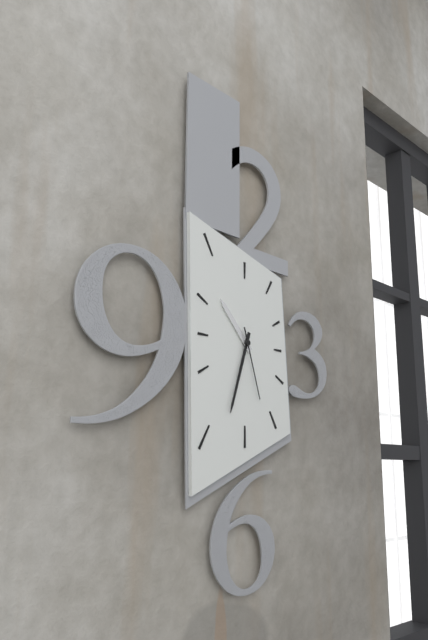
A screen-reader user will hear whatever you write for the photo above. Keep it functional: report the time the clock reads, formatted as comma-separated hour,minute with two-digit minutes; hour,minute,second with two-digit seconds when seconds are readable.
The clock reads 10,33,27
